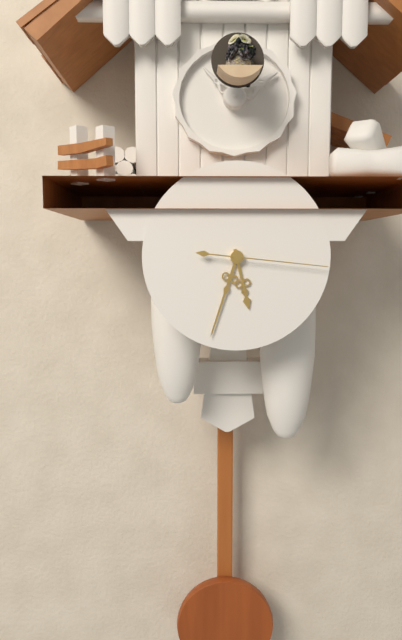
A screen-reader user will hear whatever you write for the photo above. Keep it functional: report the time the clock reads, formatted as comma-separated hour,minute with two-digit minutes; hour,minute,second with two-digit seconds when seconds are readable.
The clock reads 5,33,16
